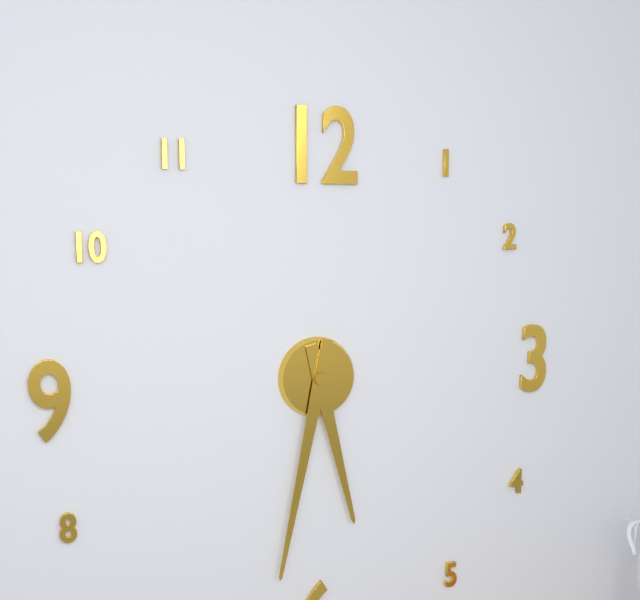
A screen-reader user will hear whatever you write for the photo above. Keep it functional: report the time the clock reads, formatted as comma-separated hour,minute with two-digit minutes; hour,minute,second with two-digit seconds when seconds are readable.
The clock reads 5,32
